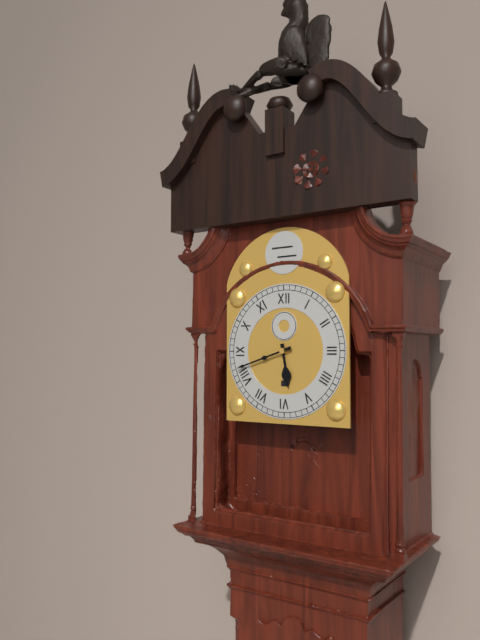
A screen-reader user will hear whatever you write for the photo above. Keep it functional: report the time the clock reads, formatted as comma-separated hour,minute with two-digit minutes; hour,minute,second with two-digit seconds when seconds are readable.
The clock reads 5,42
